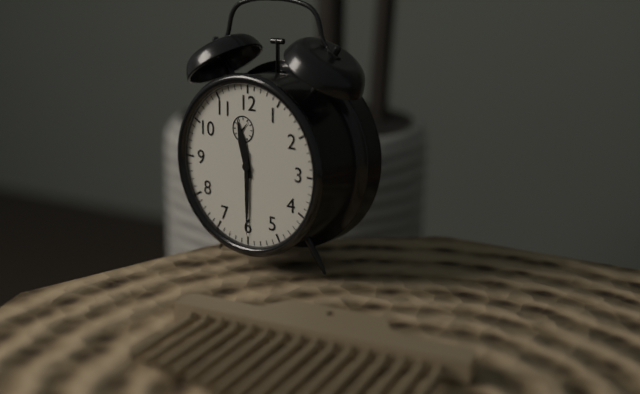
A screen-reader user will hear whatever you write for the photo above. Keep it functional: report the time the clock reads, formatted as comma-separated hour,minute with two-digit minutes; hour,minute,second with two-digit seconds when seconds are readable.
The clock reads 11,30
